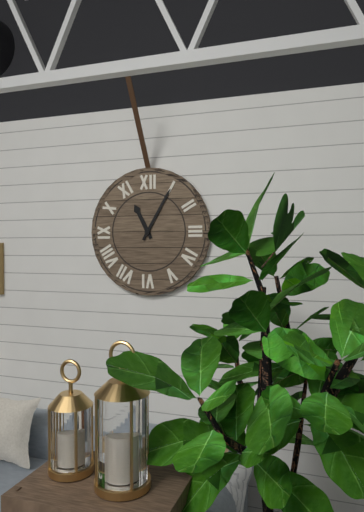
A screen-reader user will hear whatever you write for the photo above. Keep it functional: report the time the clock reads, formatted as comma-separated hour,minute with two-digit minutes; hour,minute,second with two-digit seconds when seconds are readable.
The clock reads 11,05
